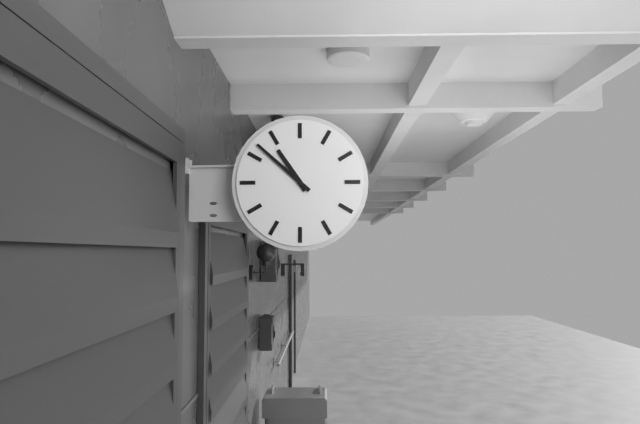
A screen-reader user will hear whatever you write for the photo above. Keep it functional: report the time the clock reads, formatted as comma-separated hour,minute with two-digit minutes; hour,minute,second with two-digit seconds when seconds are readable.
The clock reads 10,52
